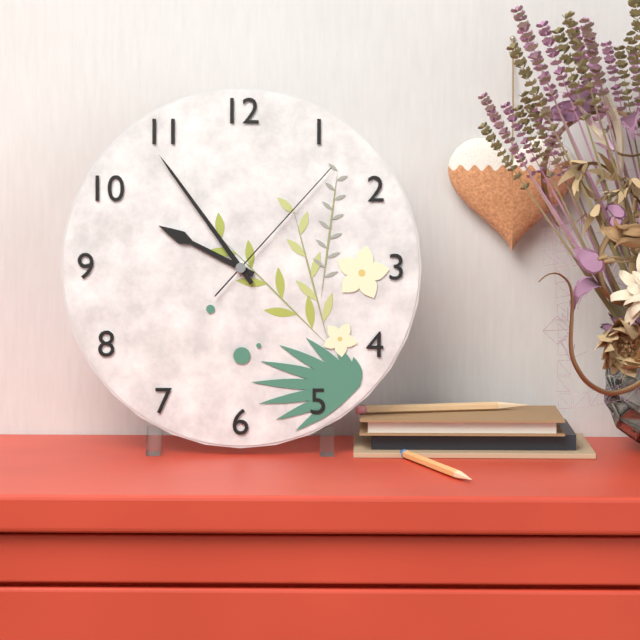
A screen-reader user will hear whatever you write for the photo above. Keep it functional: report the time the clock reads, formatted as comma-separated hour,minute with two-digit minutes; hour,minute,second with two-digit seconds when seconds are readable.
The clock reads 9,54,07
